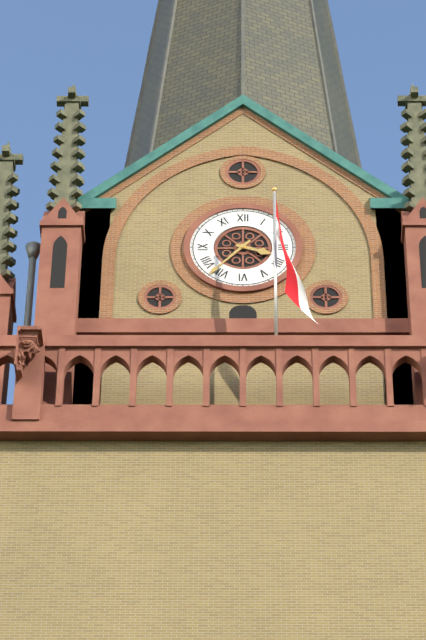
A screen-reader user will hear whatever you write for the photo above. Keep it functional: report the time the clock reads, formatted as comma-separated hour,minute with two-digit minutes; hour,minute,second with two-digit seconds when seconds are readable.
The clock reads 3,37
